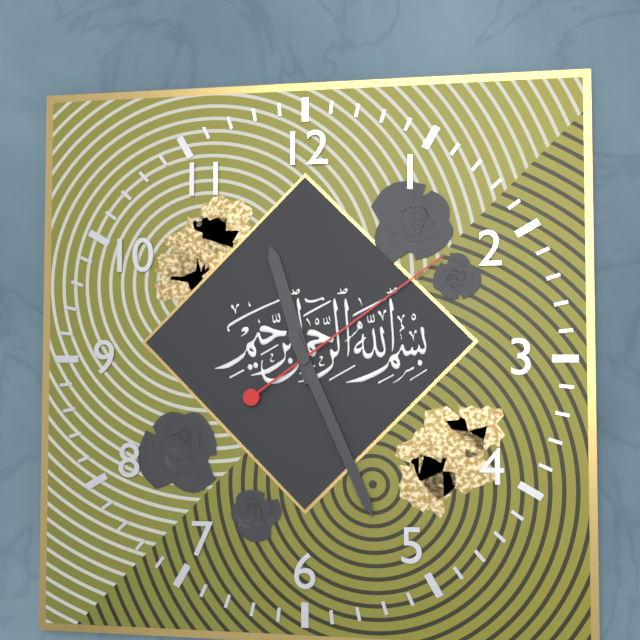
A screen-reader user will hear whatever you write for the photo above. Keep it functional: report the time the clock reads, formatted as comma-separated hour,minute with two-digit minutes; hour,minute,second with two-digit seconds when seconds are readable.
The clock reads 11,26,09
